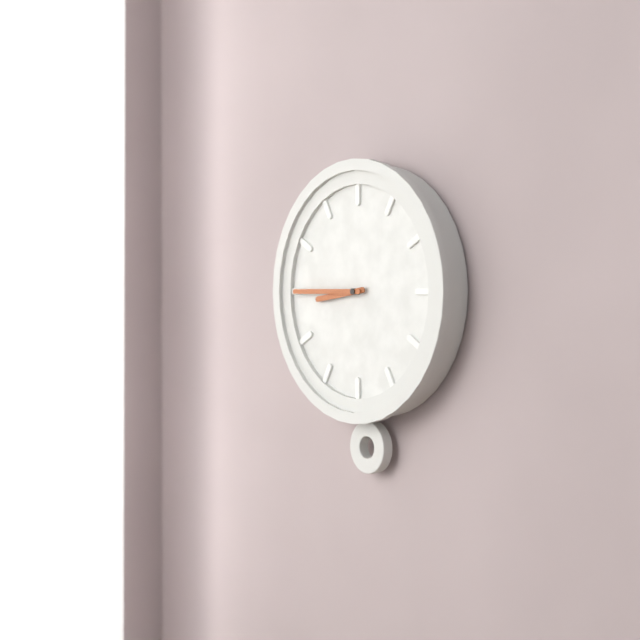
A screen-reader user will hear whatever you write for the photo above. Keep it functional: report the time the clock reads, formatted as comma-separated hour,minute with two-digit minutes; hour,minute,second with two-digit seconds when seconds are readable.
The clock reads 8,45
